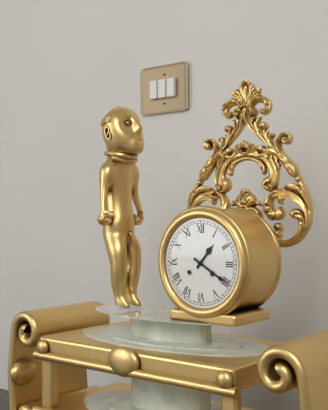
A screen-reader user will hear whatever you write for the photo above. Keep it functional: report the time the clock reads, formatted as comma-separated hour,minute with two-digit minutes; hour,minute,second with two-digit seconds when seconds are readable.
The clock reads 1,20
